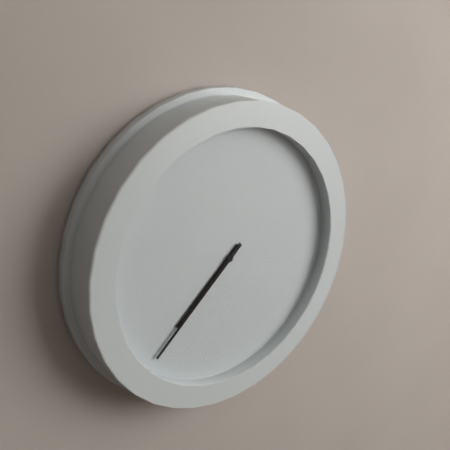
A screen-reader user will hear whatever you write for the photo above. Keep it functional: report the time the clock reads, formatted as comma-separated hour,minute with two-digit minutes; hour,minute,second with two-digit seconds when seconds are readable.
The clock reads 7,38
